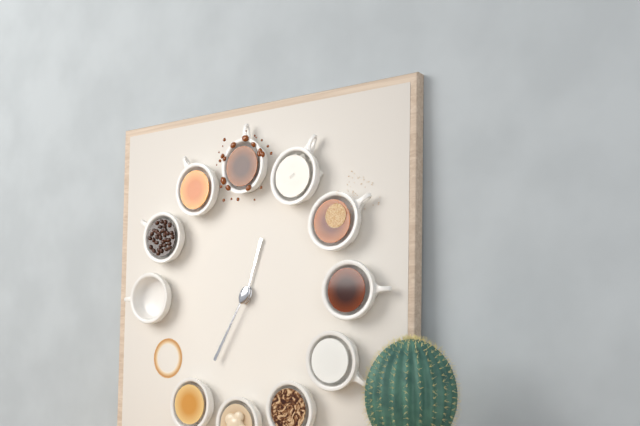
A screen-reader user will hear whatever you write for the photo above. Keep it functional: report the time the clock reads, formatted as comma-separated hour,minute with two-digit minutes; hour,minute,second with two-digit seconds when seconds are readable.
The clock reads 12,35
